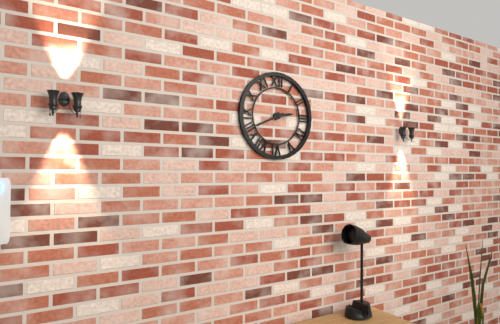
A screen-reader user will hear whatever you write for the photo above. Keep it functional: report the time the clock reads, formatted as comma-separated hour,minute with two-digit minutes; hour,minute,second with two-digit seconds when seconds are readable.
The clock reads 2,41
